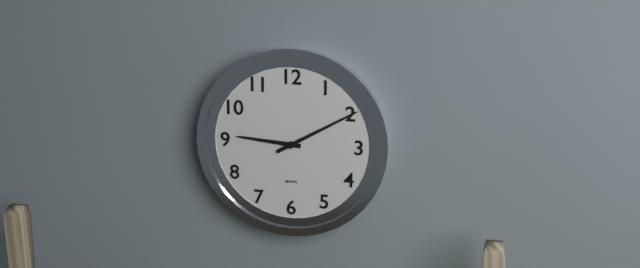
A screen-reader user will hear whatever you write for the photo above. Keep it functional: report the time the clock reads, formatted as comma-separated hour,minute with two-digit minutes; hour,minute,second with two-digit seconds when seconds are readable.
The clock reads 9,10
